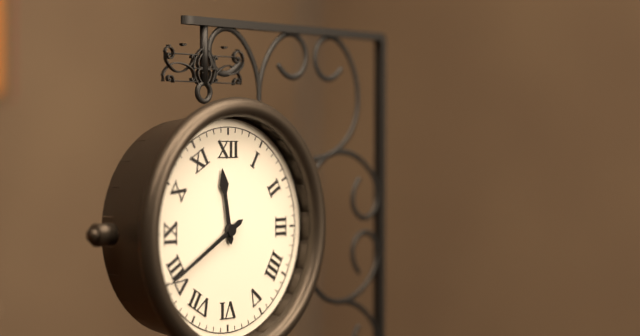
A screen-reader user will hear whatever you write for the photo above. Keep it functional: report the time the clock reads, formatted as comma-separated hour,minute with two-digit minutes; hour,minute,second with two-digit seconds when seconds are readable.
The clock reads 11,40
